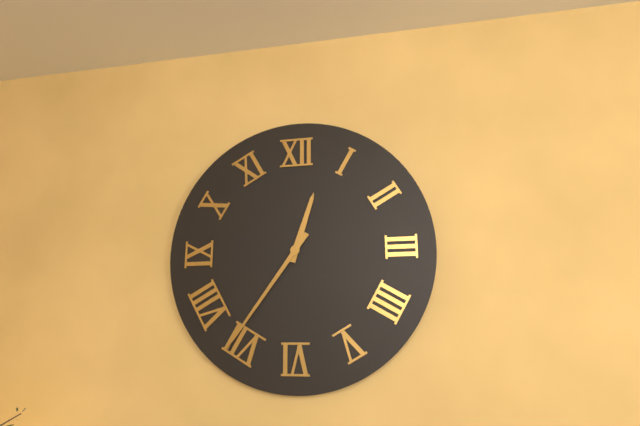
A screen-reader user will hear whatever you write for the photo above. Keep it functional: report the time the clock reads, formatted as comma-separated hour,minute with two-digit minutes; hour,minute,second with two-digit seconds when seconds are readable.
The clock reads 12,36
